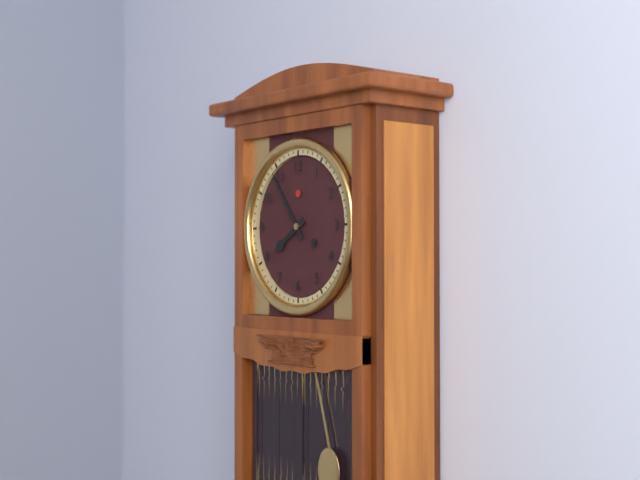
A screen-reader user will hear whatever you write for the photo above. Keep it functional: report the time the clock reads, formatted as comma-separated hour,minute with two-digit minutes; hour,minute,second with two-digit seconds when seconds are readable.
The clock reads 7,54
